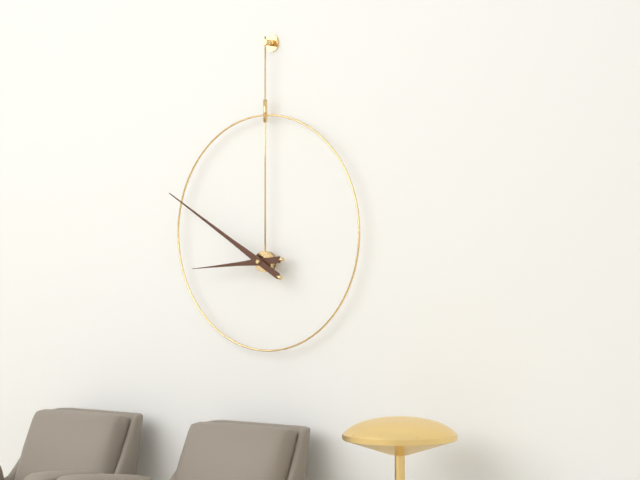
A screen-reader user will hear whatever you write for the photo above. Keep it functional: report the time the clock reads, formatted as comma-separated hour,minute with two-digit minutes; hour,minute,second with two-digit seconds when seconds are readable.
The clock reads 8,50
